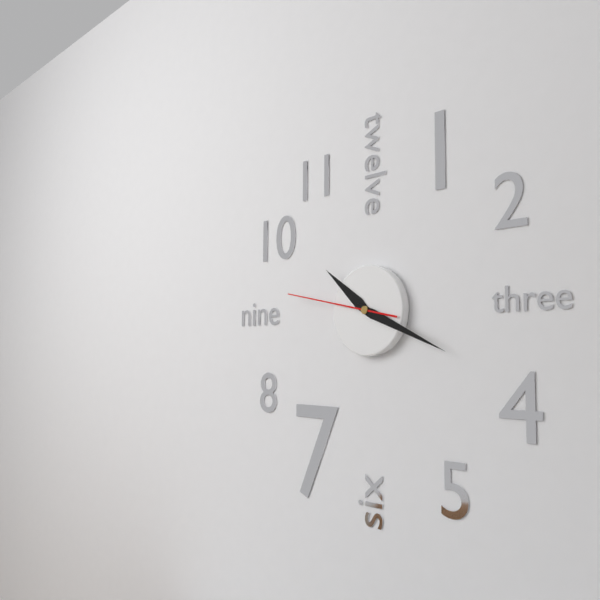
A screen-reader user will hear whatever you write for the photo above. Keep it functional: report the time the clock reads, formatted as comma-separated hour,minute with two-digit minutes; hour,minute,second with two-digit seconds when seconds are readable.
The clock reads 10,19,47
